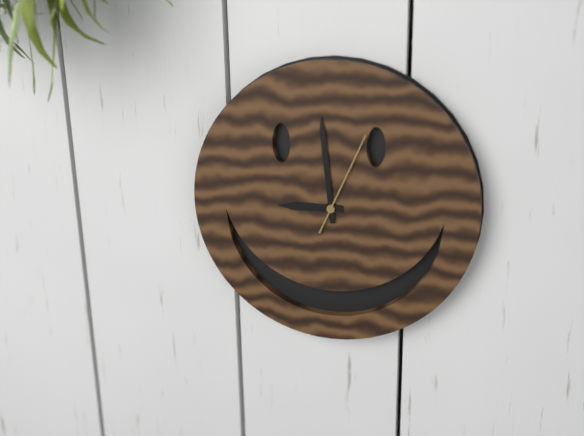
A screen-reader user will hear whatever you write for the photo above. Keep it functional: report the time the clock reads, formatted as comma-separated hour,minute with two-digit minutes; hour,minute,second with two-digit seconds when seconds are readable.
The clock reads 8,59,04
